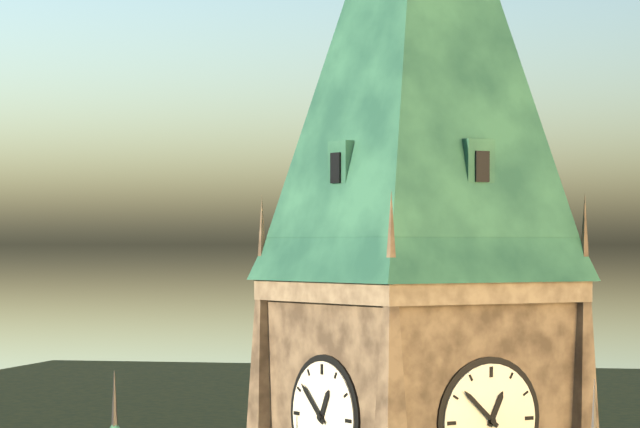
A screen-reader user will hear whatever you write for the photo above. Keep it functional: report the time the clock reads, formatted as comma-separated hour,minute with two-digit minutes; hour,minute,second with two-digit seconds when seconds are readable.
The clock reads 12,52
